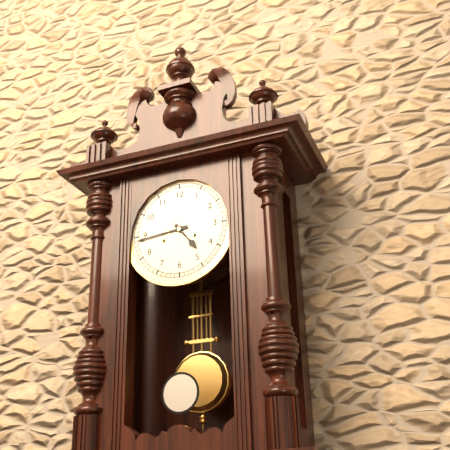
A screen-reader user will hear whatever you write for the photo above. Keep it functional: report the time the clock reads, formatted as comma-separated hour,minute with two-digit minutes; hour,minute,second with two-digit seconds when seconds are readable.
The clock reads 4,44
